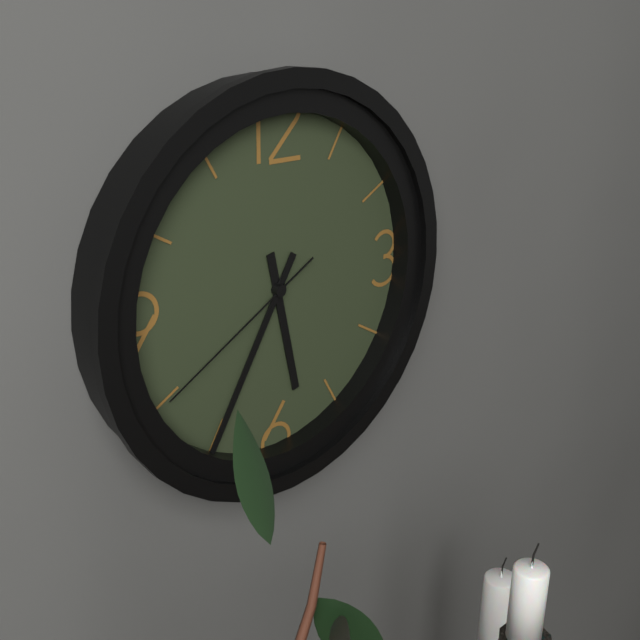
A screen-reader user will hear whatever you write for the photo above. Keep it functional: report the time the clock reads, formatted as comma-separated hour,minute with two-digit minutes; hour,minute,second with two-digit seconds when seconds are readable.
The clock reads 5,35,40
